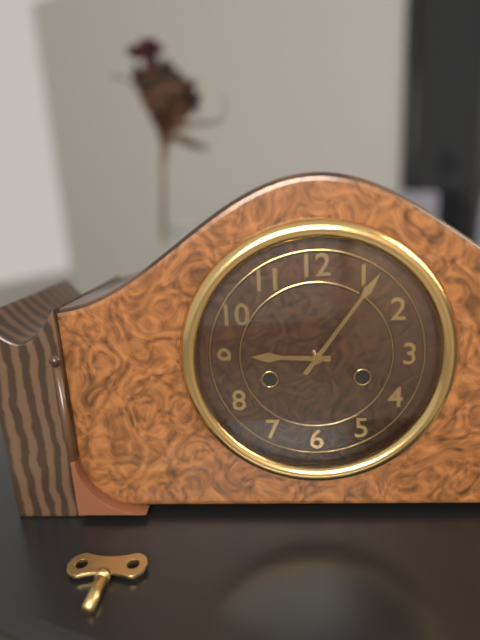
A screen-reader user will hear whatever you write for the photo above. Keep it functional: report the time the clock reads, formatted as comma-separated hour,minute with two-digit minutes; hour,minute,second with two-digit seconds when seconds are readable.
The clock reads 9,06
